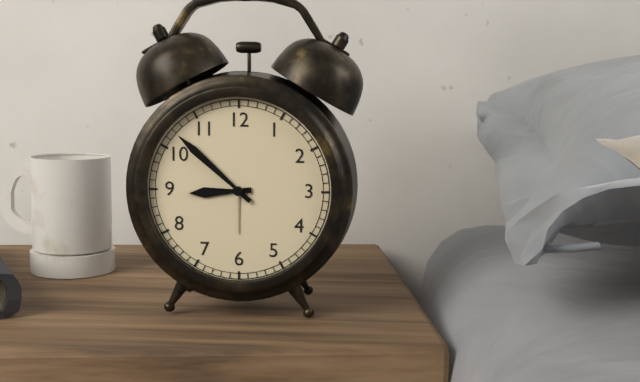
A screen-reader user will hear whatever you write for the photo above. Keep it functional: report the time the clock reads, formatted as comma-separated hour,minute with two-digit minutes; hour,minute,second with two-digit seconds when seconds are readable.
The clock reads 8,52
